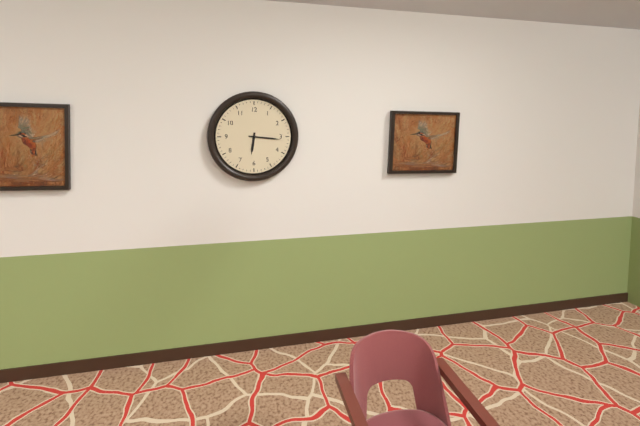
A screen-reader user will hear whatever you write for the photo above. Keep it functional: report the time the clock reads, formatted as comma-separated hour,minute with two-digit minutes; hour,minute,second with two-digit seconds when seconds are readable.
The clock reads 6,16
